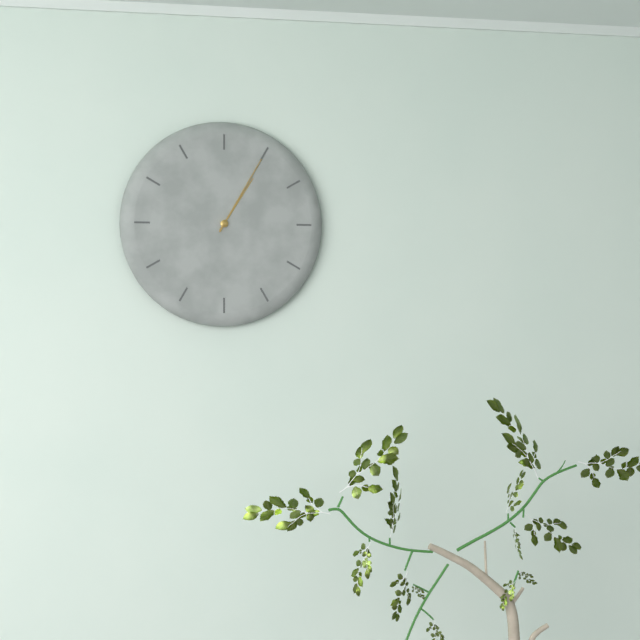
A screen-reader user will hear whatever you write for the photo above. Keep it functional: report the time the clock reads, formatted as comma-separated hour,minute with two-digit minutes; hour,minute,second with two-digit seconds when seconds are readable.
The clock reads 1,05
